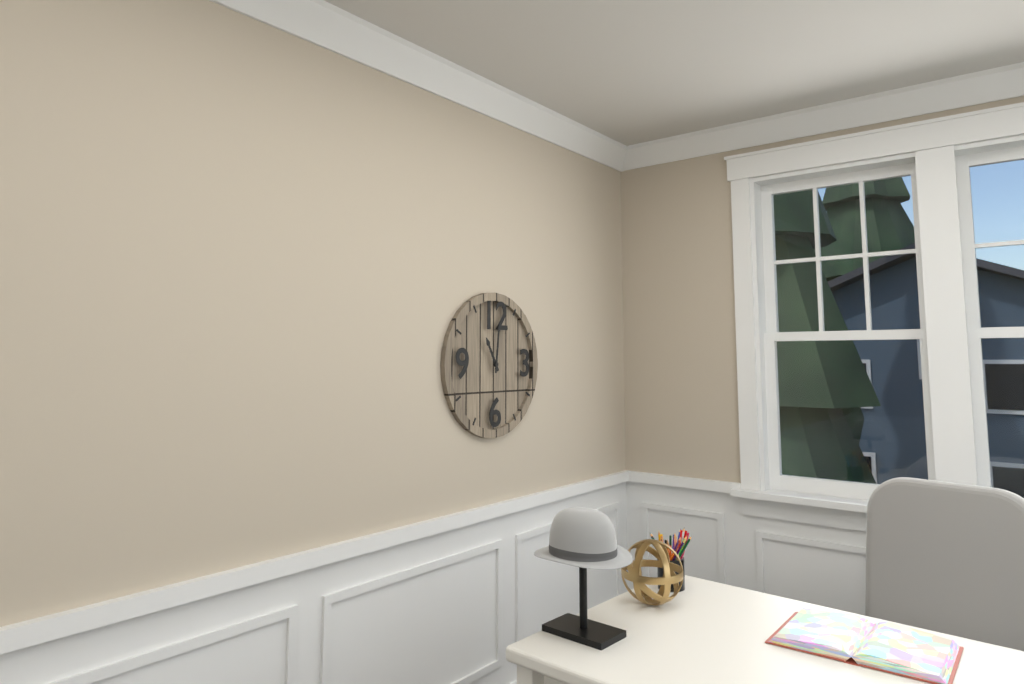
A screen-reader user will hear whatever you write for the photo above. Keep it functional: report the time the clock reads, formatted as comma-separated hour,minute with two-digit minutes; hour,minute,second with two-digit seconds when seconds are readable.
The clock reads 11,01
